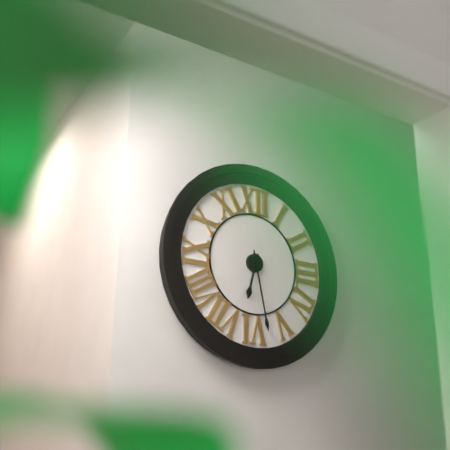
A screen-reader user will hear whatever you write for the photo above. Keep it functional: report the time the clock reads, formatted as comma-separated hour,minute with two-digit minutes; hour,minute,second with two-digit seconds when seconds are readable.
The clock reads 6,28
